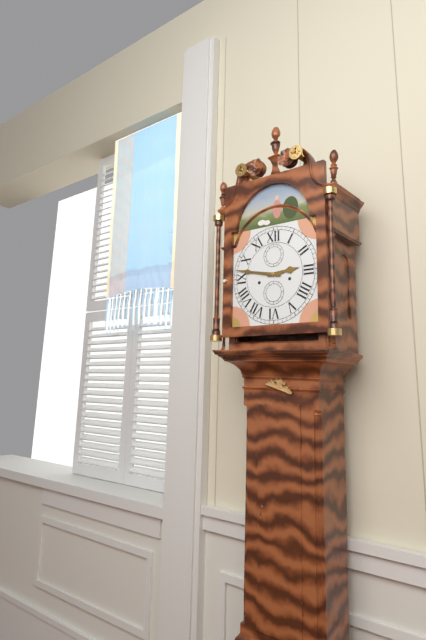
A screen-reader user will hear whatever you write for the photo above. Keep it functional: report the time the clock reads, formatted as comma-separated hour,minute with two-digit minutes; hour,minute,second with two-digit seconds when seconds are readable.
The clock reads 2,47
